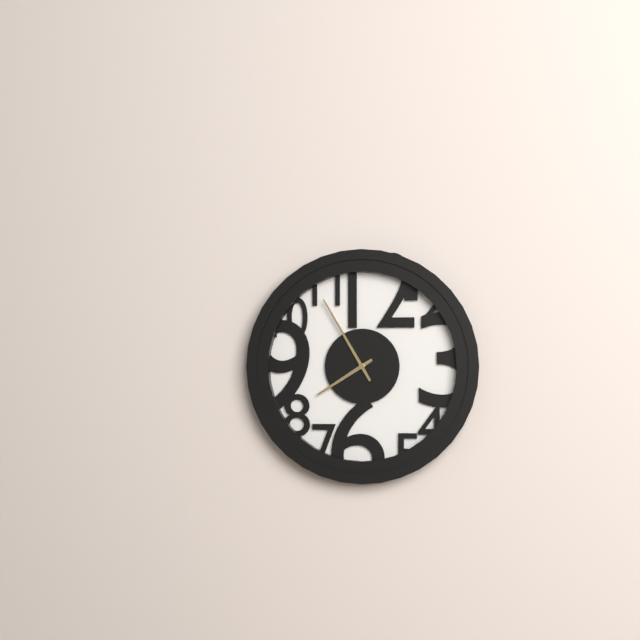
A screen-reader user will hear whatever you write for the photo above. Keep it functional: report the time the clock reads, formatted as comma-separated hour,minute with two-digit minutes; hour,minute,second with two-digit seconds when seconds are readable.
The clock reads 7,55
